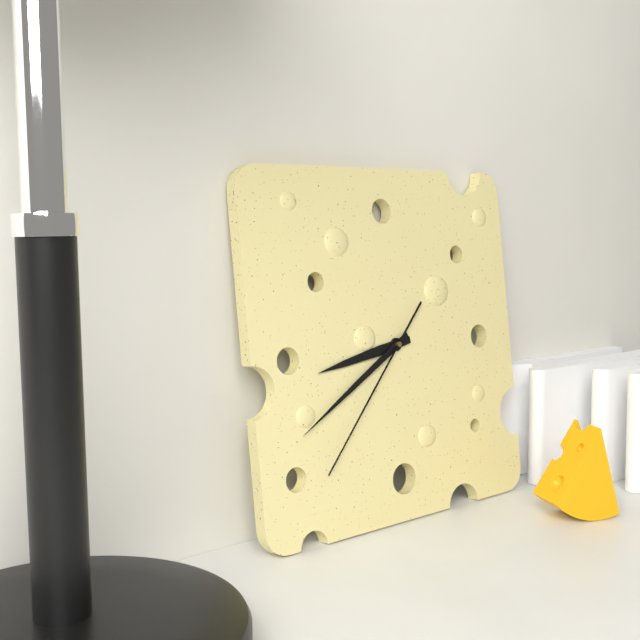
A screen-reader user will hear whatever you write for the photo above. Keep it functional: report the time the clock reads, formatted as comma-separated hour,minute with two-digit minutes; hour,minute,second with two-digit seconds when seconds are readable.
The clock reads 8,40,37
